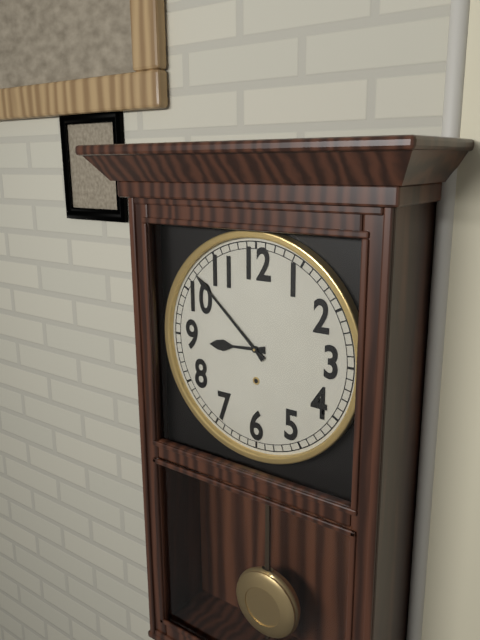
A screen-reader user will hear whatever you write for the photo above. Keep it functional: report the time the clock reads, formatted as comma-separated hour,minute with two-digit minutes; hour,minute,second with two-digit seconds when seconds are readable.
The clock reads 8,52
